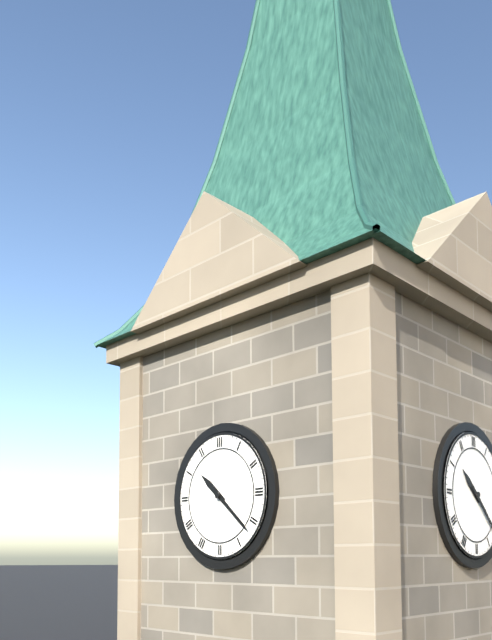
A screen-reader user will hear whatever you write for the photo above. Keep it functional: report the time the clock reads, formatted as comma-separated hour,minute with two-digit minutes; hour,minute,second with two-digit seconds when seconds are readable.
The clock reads 10,22
